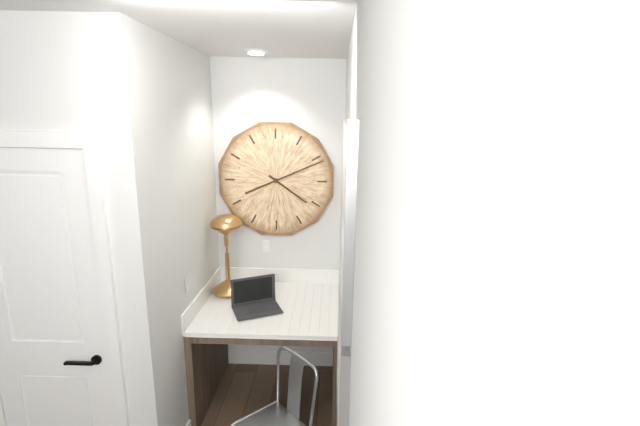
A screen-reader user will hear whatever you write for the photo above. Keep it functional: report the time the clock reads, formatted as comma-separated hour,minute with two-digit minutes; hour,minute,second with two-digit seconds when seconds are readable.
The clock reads 4,11
